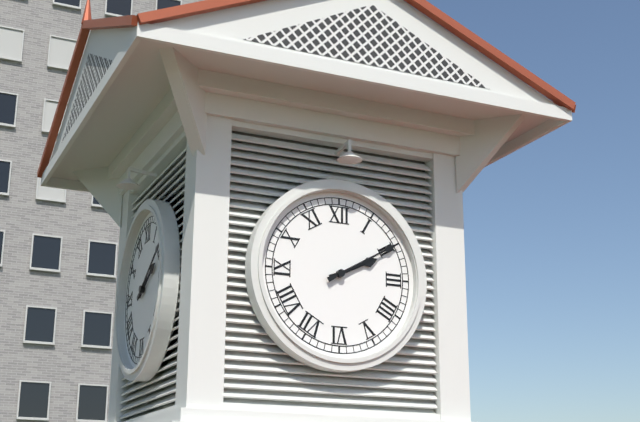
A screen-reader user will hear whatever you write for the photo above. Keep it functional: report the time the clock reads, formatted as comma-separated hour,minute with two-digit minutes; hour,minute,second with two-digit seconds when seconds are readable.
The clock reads 2,10
